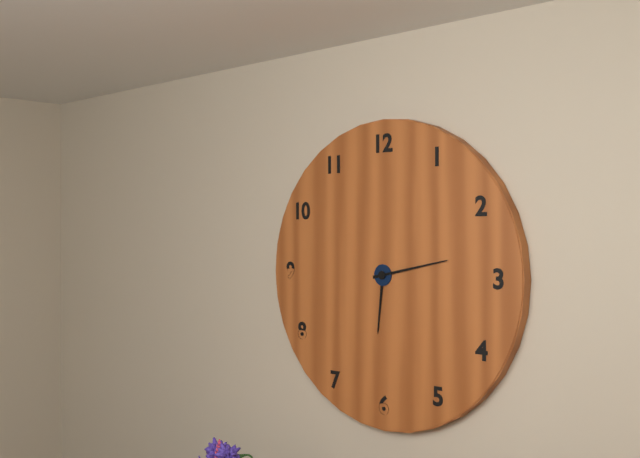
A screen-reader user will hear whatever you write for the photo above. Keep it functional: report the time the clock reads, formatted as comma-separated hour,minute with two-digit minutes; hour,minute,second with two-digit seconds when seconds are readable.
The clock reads 6,13
